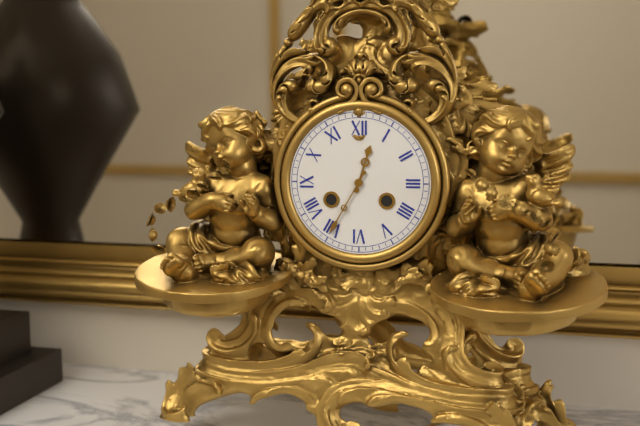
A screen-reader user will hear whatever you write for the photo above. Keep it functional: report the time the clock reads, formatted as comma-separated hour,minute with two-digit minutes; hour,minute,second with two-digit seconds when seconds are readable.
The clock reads 12,35
